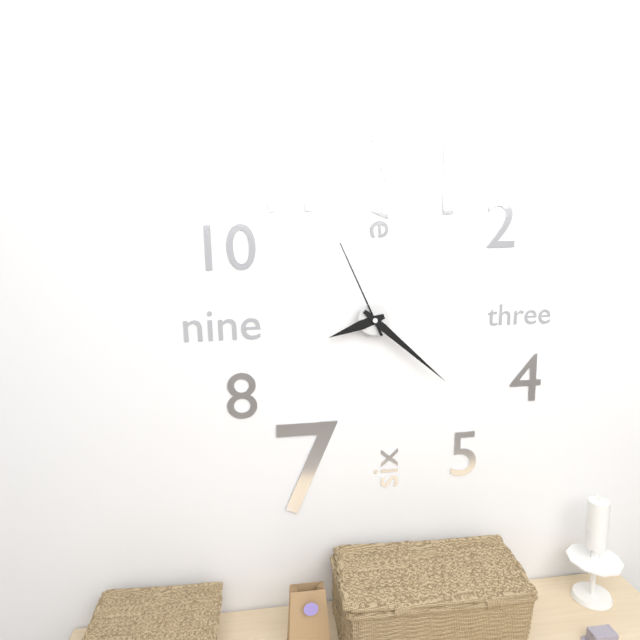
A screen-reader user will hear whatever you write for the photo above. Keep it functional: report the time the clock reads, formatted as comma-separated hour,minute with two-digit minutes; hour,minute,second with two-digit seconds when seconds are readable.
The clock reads 8,22,56
